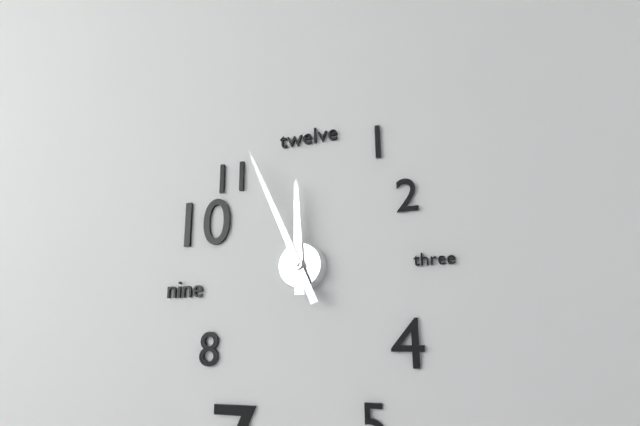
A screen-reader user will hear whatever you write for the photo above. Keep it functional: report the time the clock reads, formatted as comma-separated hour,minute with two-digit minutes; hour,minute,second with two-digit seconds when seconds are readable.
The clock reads 11,56
